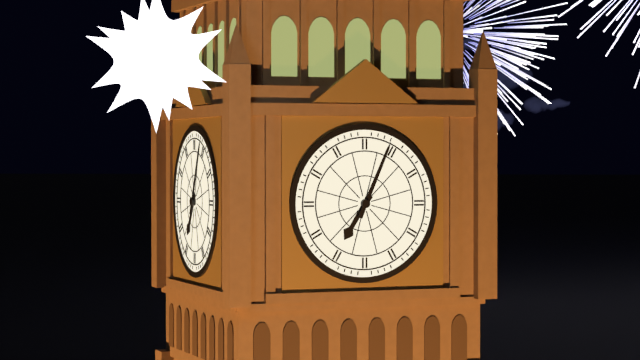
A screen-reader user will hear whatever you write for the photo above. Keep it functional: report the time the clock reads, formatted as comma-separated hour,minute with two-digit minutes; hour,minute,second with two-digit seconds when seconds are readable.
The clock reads 7,04
